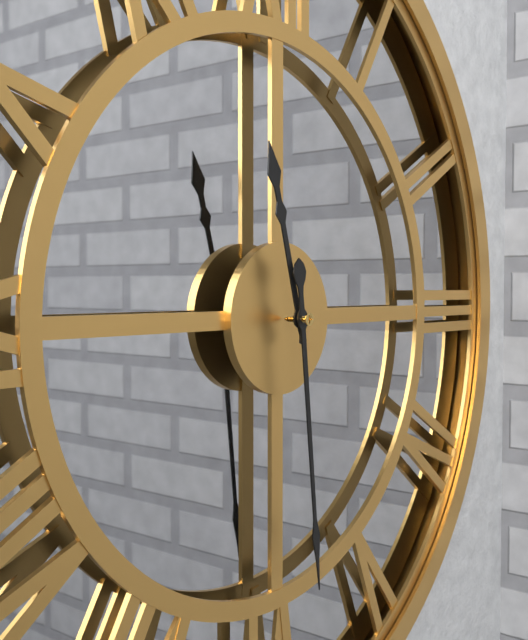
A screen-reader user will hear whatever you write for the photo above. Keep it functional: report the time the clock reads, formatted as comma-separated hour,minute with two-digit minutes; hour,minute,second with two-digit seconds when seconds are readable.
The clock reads 11,29
